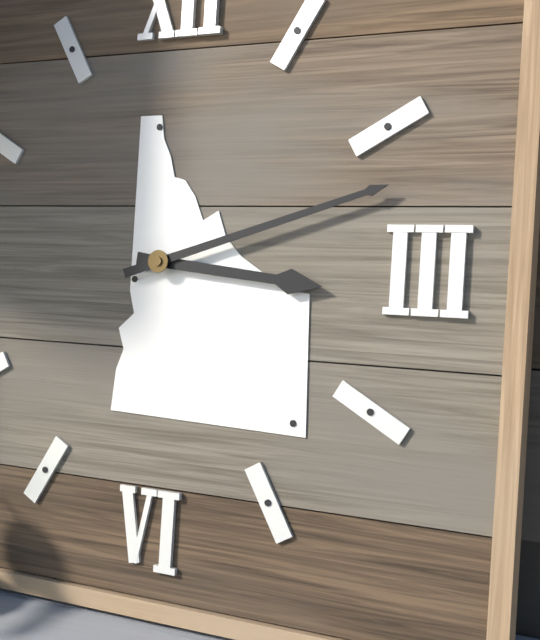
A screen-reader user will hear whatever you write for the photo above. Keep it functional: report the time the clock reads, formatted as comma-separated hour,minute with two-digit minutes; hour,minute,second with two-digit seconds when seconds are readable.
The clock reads 3,12
